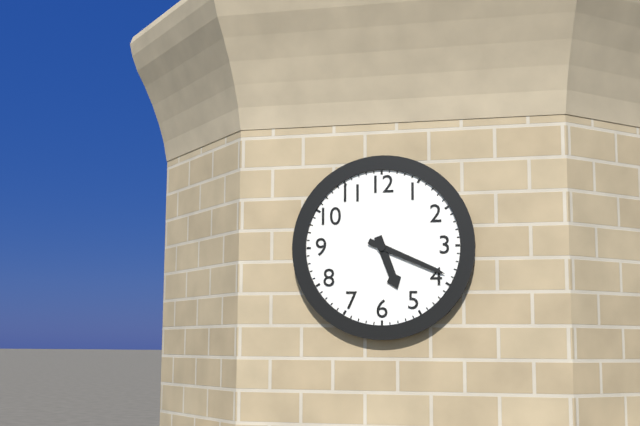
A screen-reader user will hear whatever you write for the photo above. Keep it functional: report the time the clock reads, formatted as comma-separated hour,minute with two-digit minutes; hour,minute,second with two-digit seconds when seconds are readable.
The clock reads 5,19
